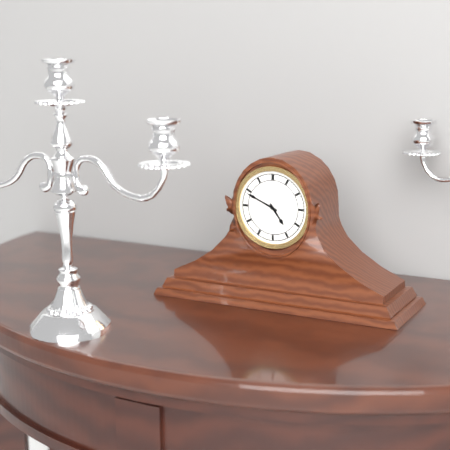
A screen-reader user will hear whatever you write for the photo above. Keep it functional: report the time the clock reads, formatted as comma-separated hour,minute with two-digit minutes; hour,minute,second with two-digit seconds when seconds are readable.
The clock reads 4,49
